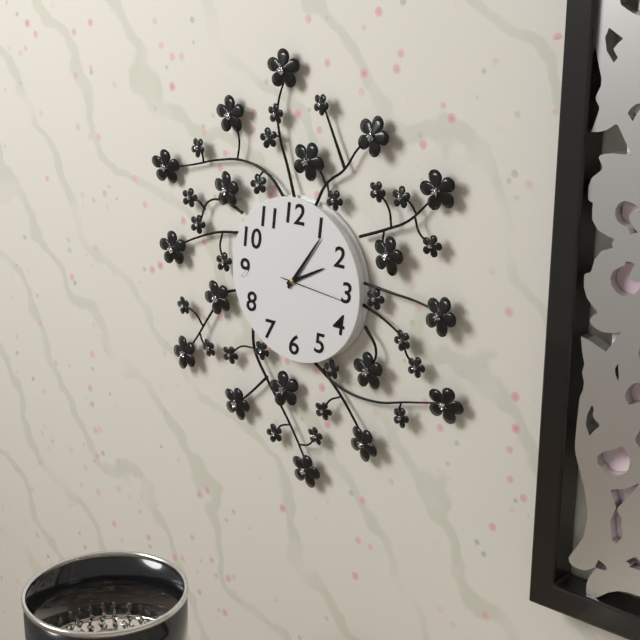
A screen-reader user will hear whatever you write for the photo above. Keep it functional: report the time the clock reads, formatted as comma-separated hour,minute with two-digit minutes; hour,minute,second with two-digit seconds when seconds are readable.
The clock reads 2,06,16
